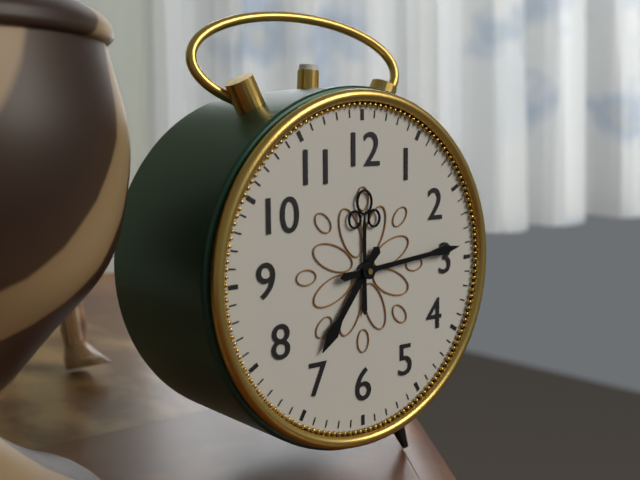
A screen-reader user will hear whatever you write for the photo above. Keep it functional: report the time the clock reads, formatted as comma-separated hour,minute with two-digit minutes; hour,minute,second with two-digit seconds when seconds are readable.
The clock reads 7,14
